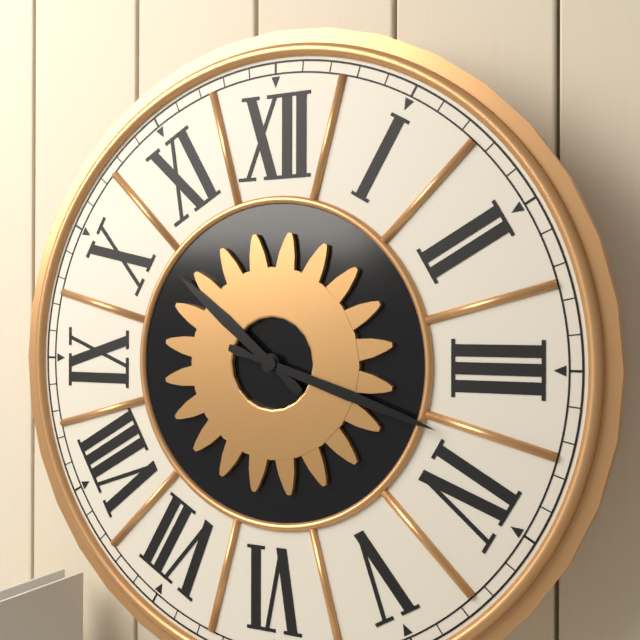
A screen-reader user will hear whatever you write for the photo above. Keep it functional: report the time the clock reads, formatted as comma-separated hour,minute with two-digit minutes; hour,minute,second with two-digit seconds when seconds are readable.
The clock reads 10,18
